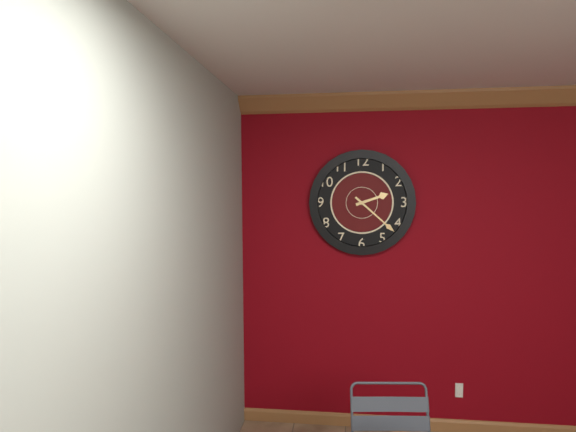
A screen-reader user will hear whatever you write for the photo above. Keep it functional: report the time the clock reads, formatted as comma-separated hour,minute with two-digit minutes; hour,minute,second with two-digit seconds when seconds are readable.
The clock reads 2,22
